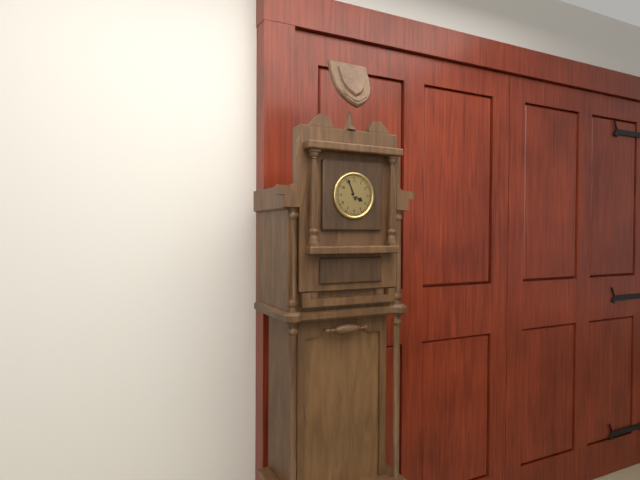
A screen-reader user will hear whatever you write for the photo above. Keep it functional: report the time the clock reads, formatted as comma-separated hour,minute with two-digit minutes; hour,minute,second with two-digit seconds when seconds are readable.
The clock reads 3,56
